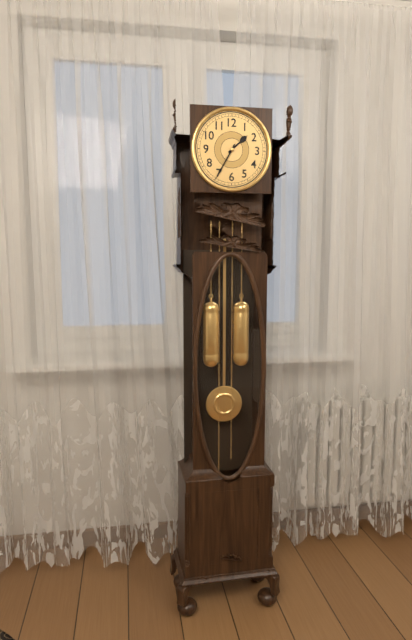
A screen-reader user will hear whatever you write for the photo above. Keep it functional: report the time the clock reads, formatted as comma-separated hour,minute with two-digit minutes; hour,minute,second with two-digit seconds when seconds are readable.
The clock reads 1,35
